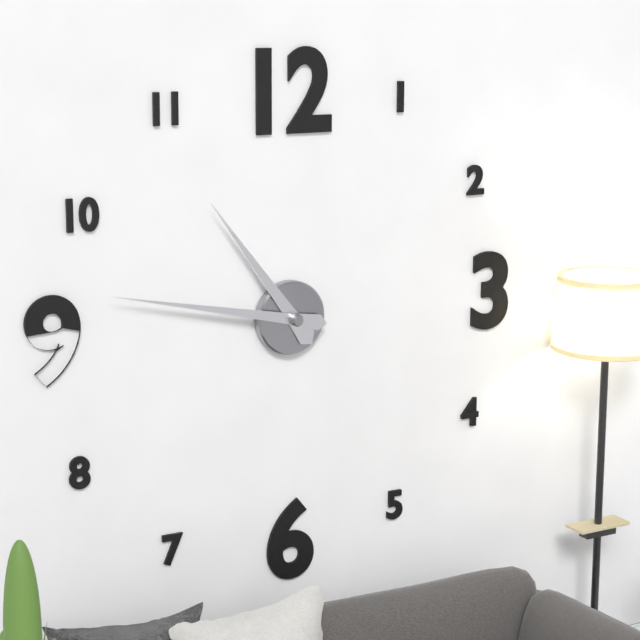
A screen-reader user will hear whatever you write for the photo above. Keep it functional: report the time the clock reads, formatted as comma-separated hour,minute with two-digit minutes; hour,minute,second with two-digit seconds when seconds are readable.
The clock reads 10,47
